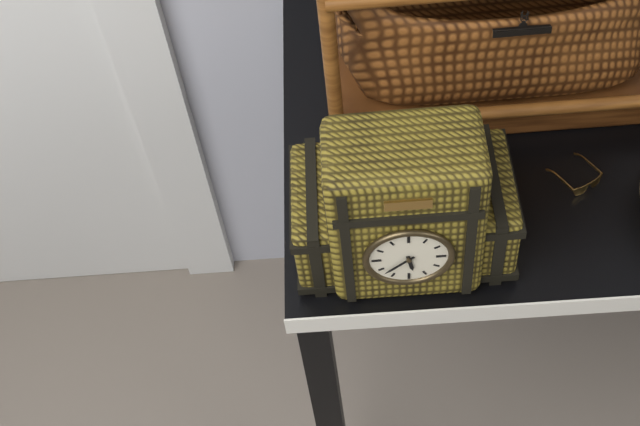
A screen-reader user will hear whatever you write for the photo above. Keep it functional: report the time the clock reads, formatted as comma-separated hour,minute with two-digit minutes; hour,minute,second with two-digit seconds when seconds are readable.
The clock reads 5,38
